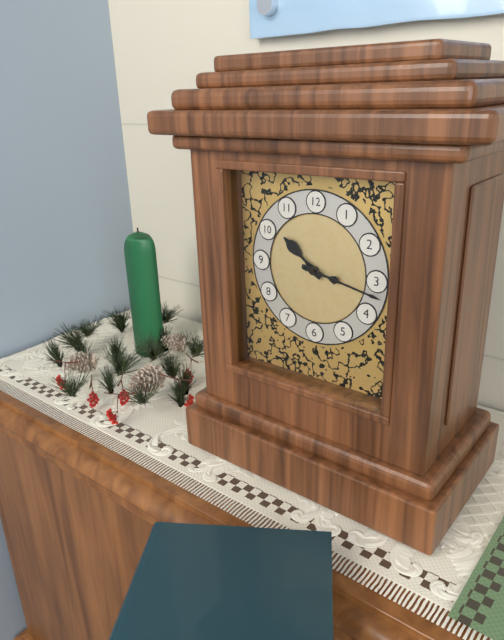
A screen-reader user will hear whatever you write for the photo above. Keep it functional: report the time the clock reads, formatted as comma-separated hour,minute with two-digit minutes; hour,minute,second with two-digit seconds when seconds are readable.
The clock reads 10,17
